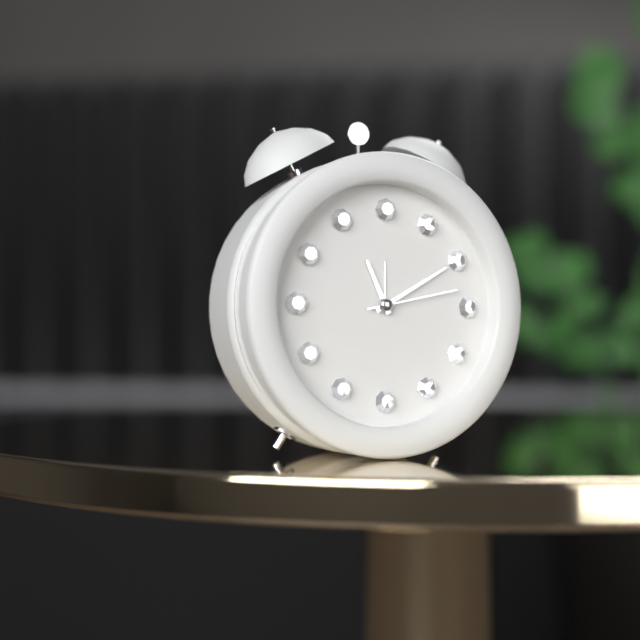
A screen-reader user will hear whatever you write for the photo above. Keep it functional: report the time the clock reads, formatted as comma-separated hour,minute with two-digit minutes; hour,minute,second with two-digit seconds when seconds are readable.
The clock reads 11,10,13
